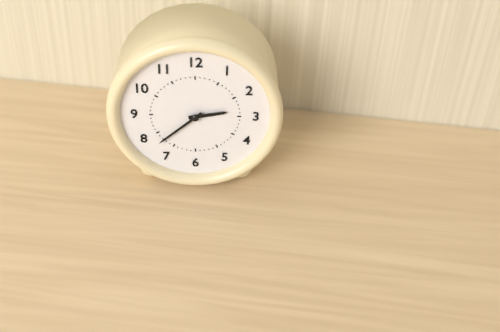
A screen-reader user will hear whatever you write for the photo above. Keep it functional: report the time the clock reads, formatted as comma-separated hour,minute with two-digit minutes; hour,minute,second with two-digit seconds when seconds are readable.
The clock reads 2,38
